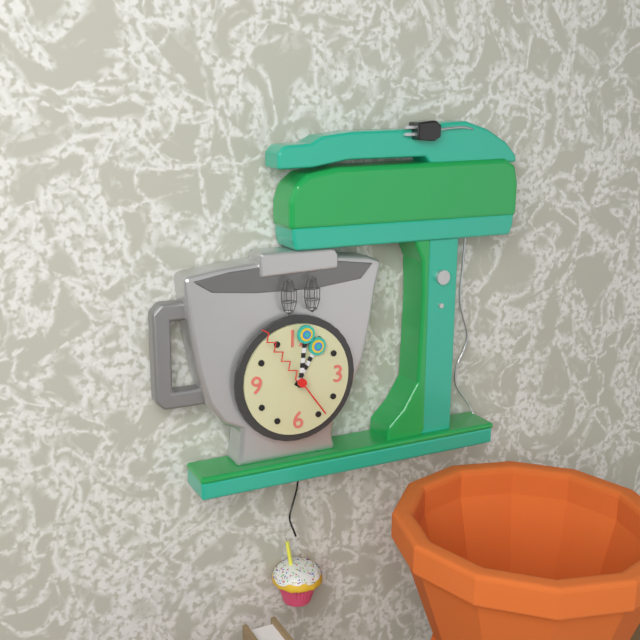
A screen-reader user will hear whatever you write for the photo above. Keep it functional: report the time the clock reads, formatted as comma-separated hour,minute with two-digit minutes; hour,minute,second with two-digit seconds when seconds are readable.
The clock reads 1,01,54
